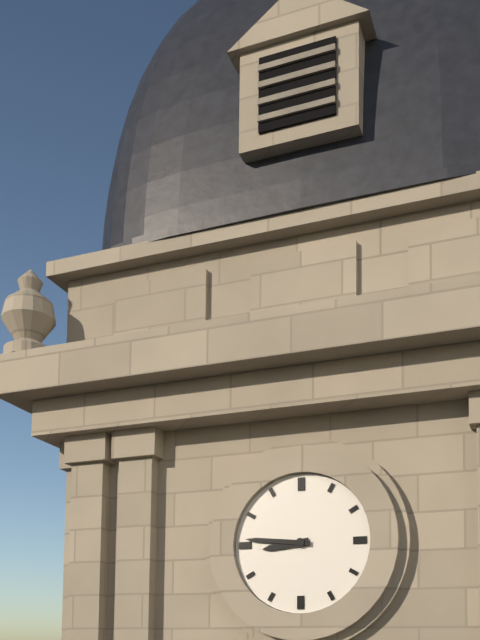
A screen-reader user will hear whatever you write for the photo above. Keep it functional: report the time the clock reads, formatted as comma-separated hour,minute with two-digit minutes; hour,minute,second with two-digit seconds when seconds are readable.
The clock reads 8,46
